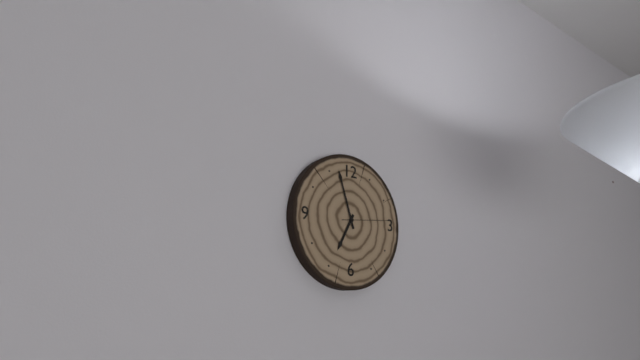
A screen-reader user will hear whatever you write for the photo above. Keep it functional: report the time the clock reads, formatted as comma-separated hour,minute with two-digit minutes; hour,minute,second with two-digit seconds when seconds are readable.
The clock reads 6,57
